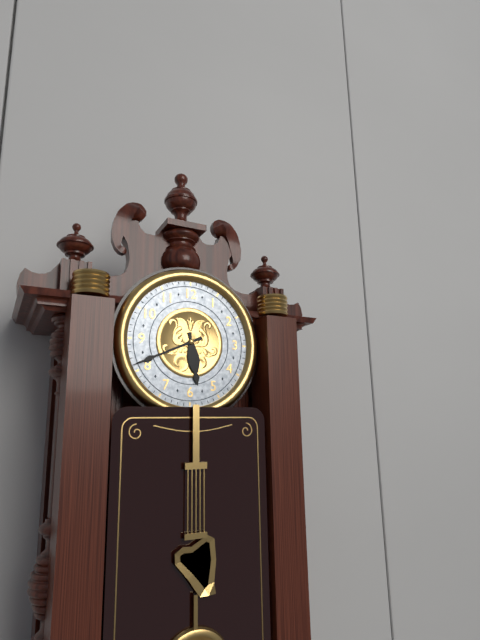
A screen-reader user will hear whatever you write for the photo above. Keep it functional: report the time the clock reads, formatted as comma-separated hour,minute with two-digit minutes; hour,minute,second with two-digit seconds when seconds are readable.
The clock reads 5,41
